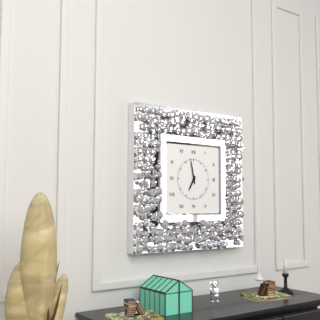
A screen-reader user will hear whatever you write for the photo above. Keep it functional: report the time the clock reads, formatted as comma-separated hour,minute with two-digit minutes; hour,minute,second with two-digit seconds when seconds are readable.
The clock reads 6,58
